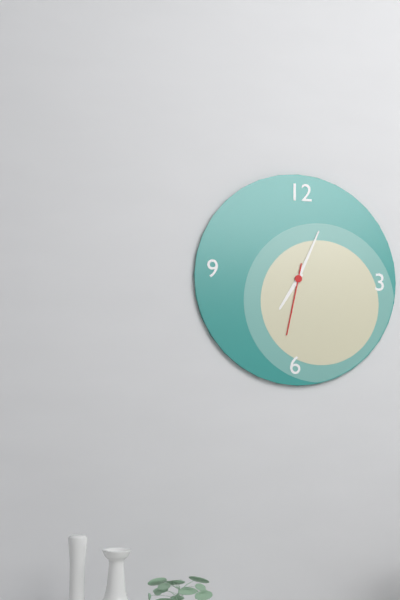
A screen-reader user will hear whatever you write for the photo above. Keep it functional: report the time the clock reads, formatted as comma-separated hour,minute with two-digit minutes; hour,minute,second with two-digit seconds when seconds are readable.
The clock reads 7,04,32
